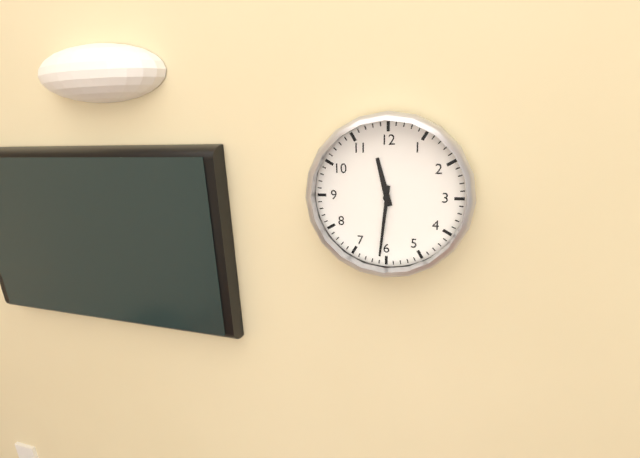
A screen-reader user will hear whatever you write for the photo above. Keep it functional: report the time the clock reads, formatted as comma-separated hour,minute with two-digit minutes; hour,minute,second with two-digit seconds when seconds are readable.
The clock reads 11,31
